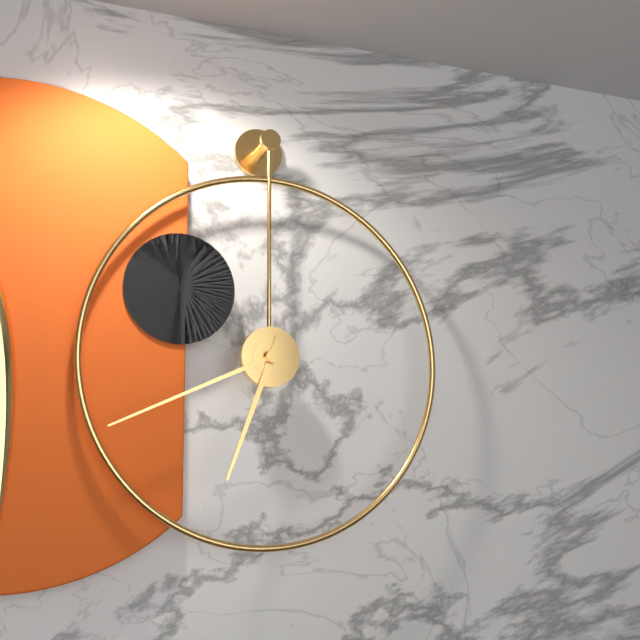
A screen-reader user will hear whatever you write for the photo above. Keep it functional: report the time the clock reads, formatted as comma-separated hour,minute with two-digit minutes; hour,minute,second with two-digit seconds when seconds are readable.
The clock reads 6,41
